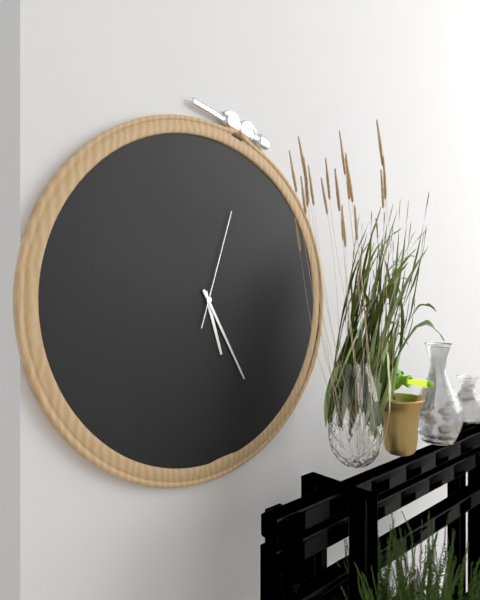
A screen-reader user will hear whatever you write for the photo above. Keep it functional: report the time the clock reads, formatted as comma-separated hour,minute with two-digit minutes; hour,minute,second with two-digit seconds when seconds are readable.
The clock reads 5,25,03
